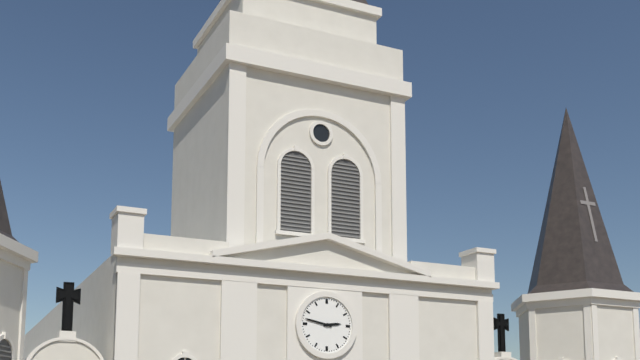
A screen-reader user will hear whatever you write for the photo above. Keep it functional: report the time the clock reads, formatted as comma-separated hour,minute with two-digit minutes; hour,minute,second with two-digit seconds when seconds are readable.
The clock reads 2,47
